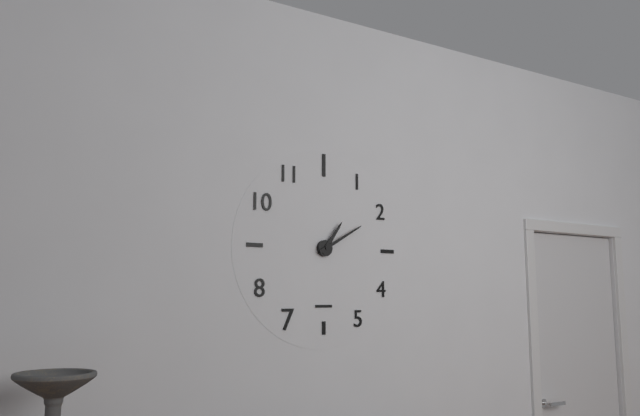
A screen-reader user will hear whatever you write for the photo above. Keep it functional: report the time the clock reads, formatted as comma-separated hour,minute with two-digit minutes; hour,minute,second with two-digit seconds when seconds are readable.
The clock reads 1,10
